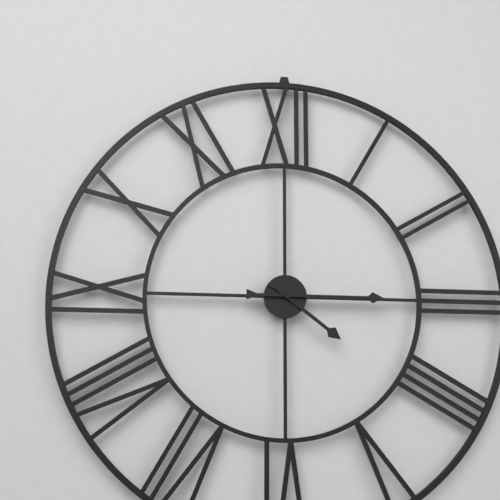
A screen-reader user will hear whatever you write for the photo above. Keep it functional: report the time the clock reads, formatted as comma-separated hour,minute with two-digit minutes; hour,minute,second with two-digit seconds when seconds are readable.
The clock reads 4,15
